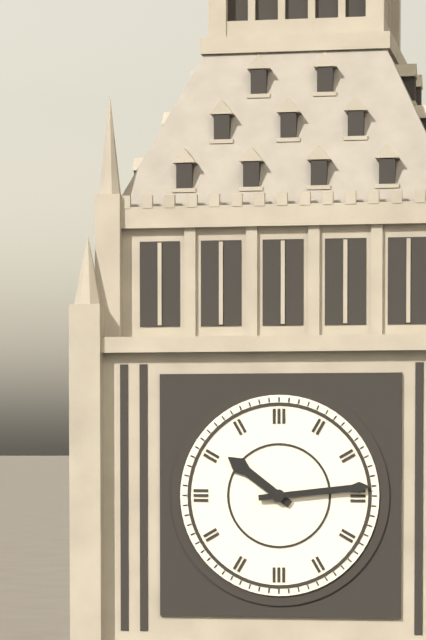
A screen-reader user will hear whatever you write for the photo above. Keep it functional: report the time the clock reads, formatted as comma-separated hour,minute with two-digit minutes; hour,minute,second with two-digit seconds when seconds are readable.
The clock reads 10,14
